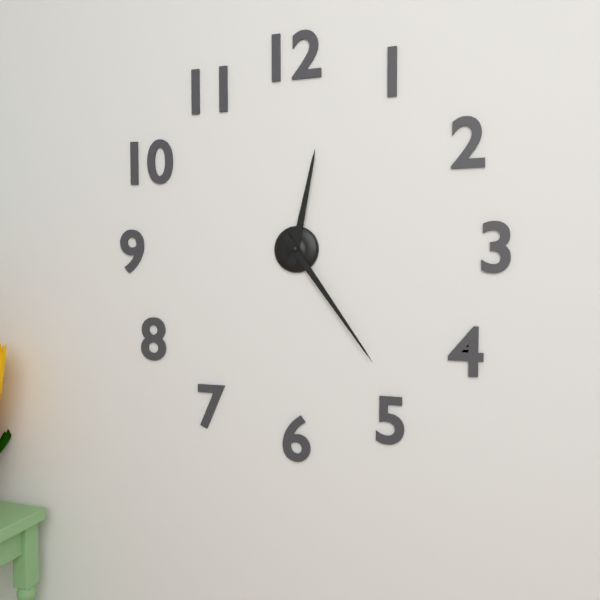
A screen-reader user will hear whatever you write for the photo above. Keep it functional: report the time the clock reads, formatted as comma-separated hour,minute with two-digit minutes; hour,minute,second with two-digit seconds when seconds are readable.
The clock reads 12,24
